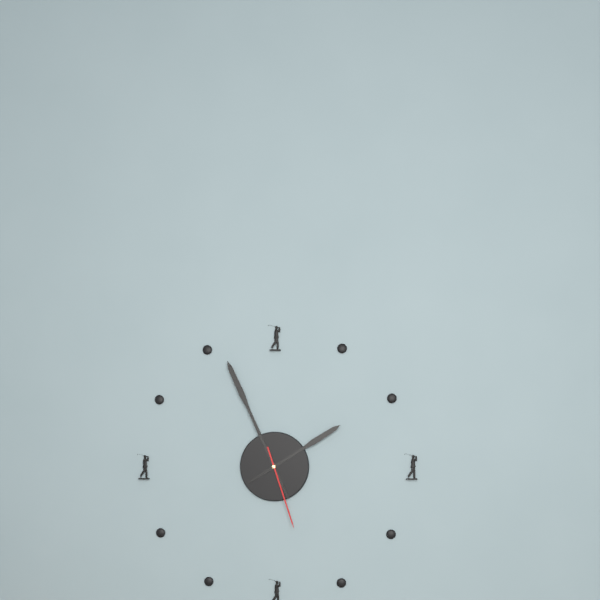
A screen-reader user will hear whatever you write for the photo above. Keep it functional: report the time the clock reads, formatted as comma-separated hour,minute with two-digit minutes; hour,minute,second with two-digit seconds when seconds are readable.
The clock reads 1,56,27
